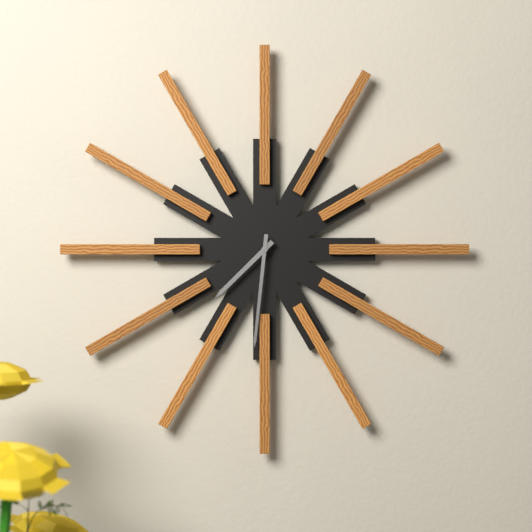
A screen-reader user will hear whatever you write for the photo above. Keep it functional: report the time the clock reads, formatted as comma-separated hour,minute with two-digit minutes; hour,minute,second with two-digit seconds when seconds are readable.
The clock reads 7,31
